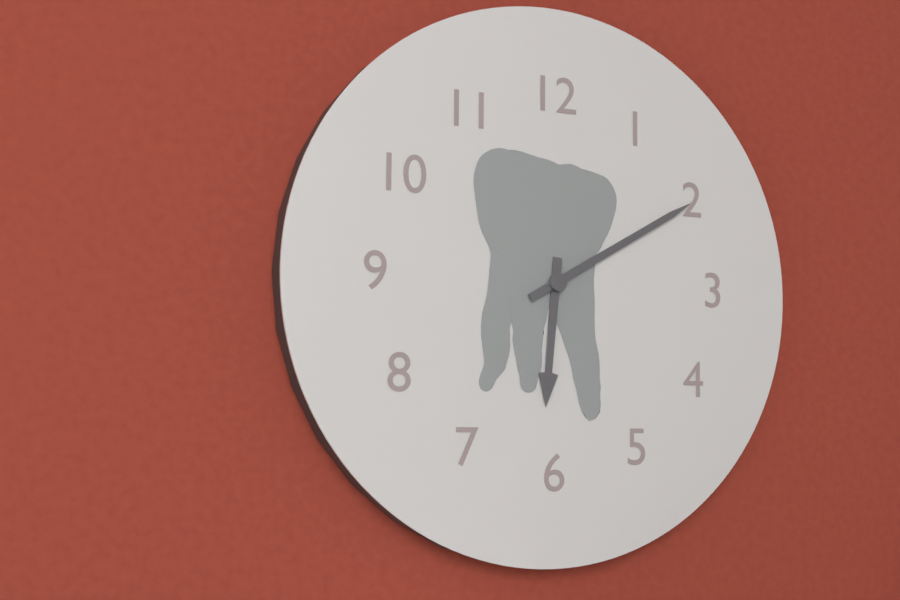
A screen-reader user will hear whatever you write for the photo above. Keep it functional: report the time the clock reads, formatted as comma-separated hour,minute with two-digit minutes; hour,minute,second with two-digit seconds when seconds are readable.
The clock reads 6,10
